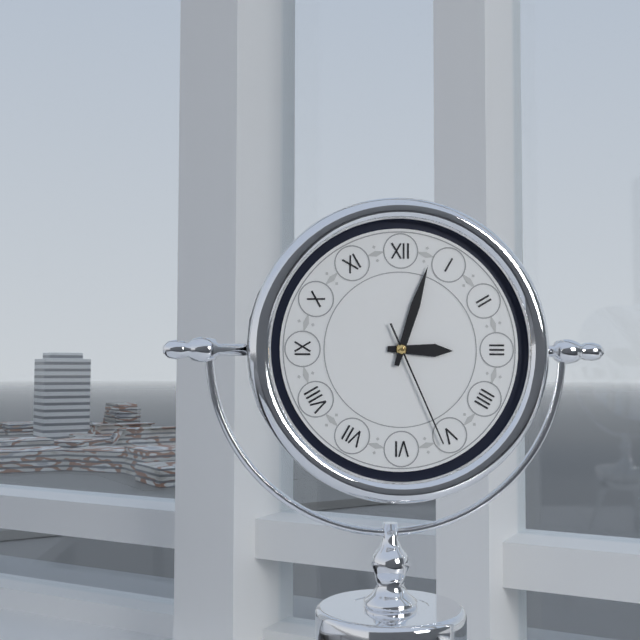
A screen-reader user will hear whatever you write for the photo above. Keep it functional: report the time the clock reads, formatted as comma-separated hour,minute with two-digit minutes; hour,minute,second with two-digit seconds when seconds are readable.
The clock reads 3,03,26
